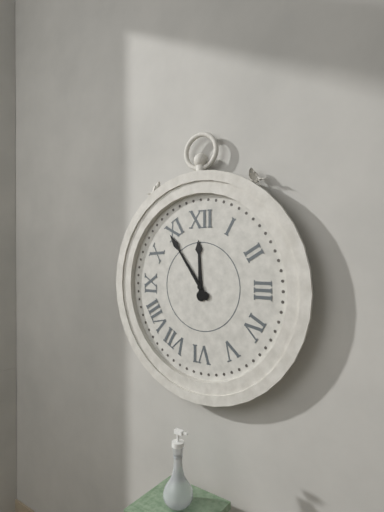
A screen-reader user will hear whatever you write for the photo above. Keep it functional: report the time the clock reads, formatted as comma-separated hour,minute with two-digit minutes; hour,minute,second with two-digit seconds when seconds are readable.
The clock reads 11,54
